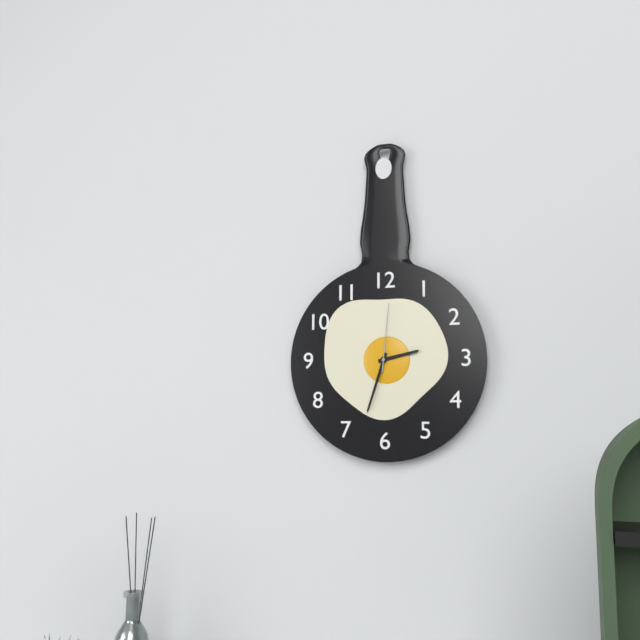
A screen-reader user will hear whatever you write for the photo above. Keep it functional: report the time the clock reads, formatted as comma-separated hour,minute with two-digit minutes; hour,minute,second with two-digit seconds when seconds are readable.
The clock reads 2,33,01
